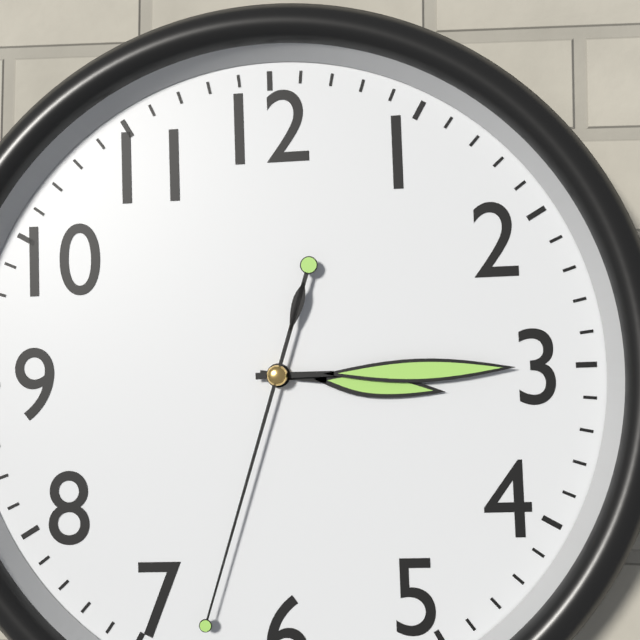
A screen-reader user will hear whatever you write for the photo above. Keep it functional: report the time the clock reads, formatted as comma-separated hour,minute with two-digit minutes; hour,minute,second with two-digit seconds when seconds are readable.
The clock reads 3,15,33
